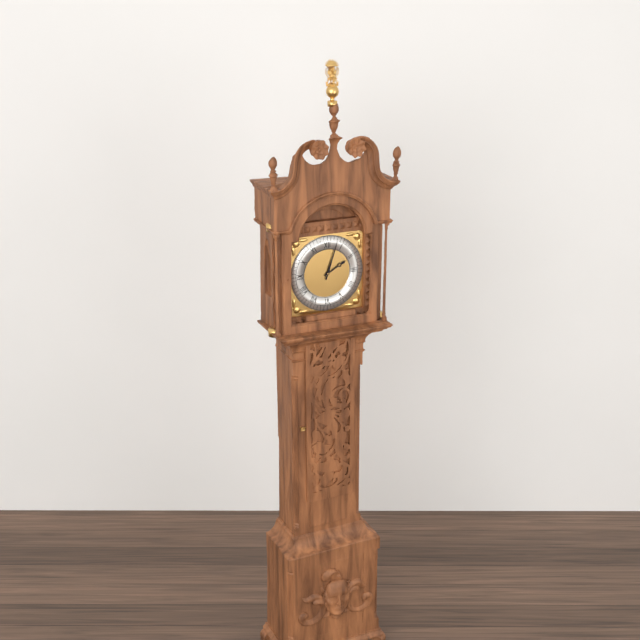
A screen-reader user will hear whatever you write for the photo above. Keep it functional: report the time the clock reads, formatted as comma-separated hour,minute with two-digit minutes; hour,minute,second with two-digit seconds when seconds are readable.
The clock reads 2,03
